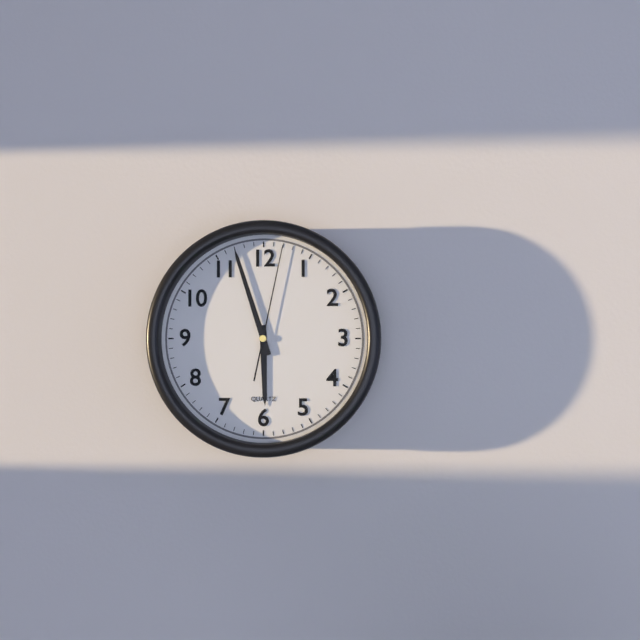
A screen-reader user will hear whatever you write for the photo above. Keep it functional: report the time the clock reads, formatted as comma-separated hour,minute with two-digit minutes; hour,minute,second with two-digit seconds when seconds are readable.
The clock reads 5,57,02
